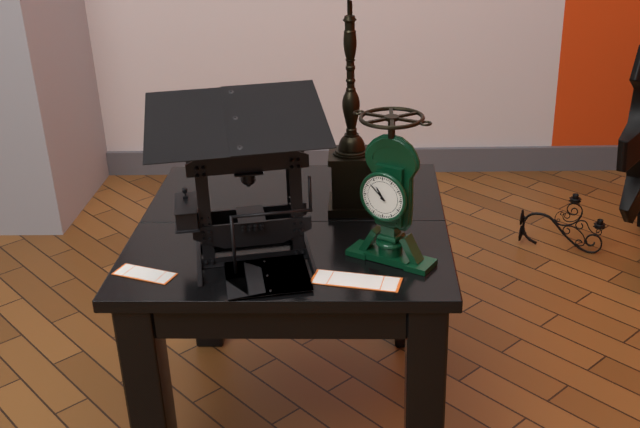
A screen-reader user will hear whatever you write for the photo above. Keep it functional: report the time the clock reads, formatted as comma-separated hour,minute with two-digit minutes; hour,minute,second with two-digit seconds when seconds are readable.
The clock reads 10,52
